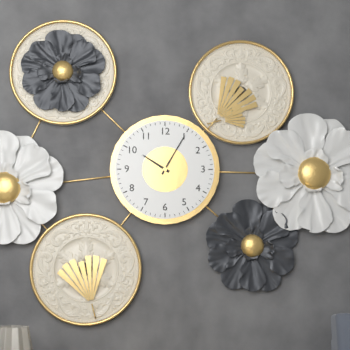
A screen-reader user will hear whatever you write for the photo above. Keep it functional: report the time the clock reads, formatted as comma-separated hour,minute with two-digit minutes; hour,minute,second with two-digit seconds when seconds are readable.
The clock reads 10,05
